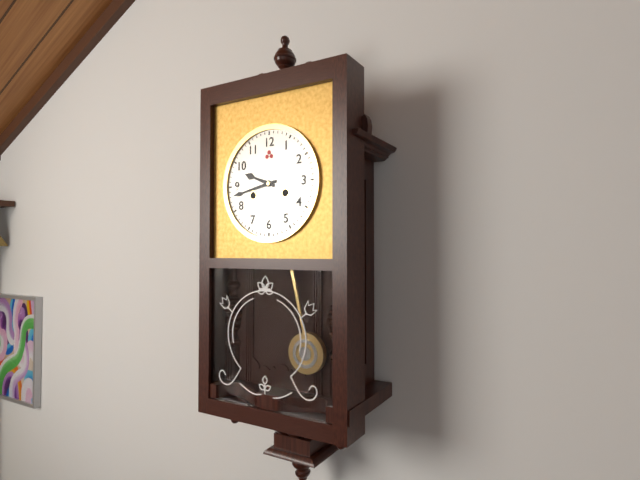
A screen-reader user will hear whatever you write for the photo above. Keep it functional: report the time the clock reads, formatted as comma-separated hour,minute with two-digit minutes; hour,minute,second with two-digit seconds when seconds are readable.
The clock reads 9,43
